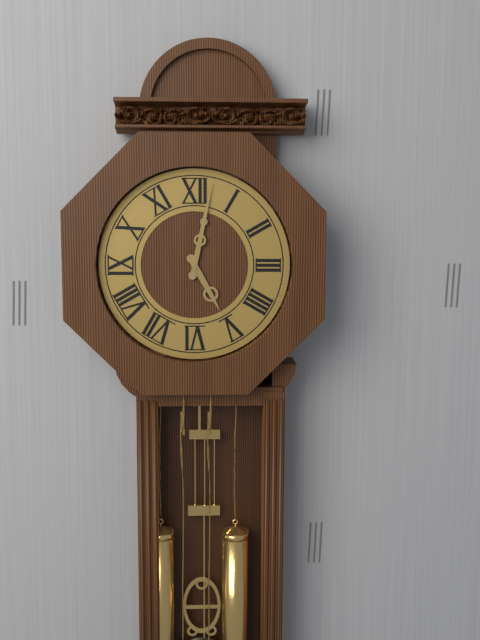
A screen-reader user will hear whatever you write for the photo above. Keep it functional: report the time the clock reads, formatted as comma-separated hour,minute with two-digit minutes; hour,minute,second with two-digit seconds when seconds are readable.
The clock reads 5,02
